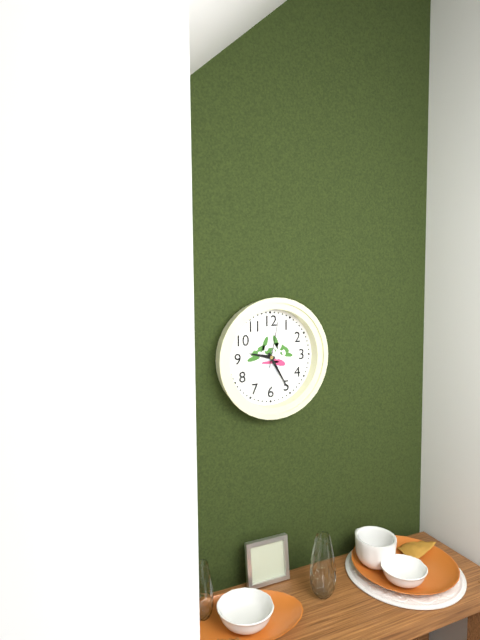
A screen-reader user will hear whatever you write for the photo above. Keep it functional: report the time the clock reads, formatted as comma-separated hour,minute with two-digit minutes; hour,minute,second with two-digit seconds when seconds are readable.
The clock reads 9,25,02
